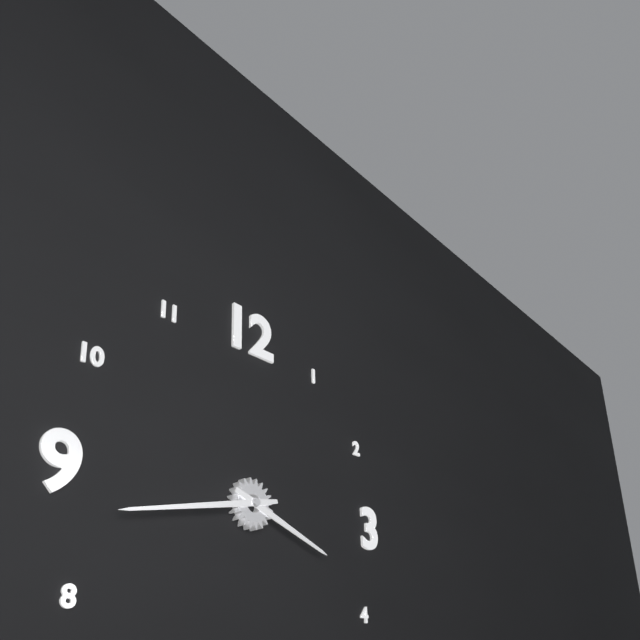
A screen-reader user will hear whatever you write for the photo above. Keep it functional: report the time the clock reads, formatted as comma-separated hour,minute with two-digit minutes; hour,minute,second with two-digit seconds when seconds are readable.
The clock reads 3,43
